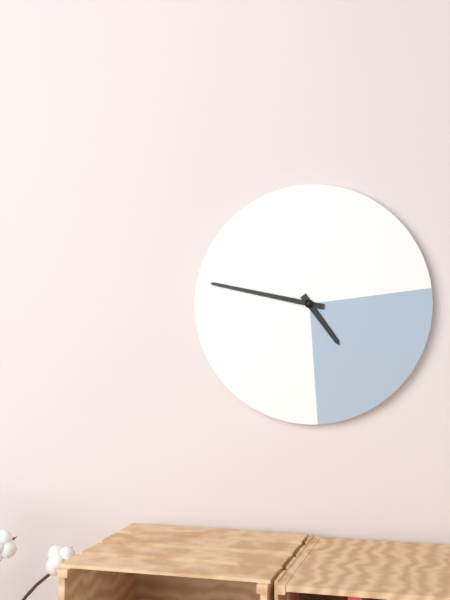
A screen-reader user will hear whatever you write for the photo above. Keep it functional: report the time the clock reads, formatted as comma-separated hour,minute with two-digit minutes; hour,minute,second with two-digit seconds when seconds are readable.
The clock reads 4,47
